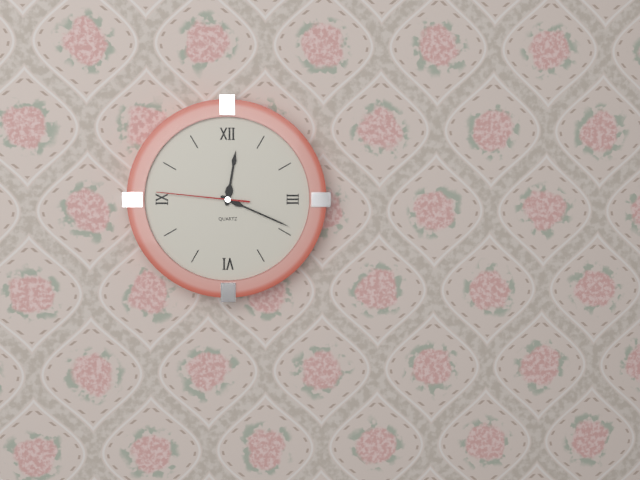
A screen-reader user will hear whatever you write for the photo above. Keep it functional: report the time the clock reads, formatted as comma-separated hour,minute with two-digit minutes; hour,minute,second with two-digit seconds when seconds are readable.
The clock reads 12,19,46
